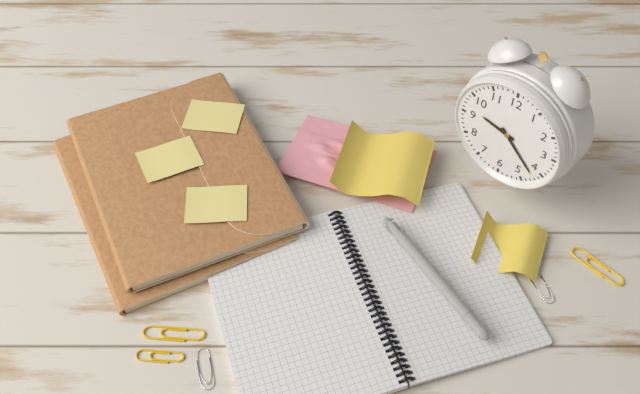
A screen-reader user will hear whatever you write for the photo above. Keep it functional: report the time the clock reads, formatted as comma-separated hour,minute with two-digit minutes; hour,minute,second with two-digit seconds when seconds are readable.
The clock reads 9,22
